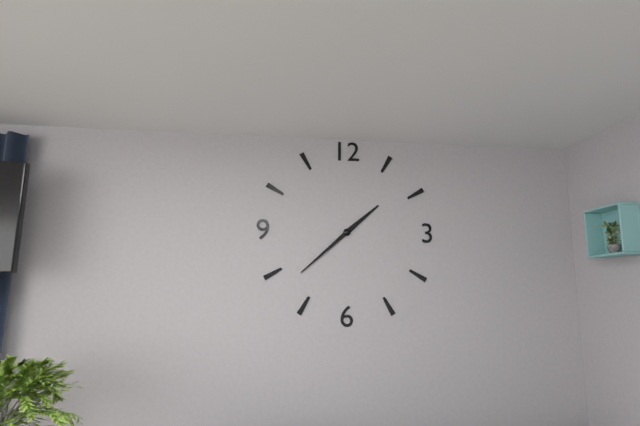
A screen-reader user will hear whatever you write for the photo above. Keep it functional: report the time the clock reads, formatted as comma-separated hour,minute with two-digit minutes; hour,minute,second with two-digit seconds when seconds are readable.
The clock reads 1,38
